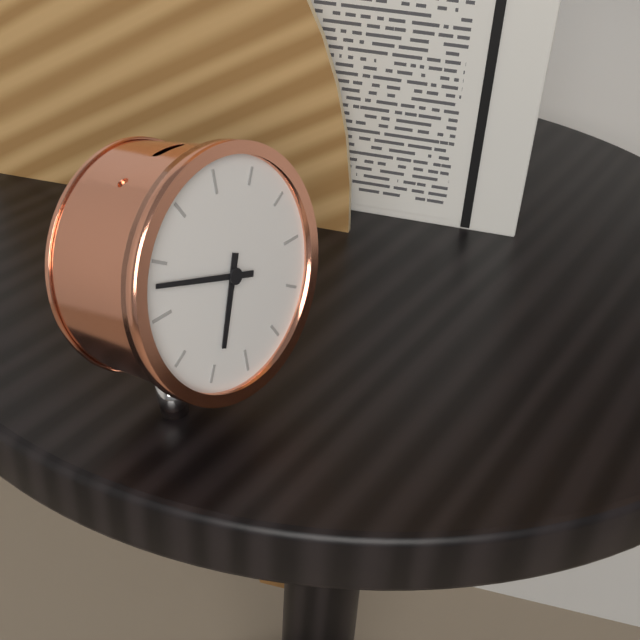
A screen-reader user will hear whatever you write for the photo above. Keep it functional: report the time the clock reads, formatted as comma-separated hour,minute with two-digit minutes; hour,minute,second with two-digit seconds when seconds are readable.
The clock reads 6,48
